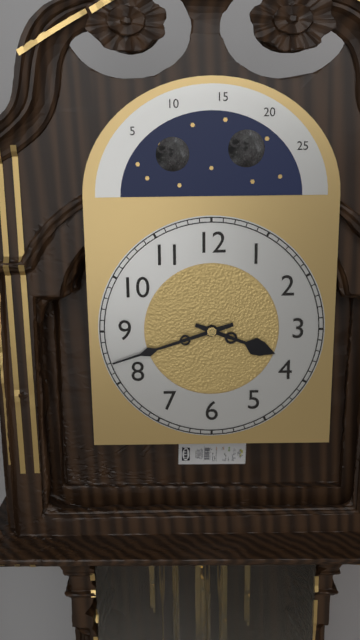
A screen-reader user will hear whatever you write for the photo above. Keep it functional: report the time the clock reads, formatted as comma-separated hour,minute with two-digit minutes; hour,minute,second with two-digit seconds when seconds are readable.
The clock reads 3,42
